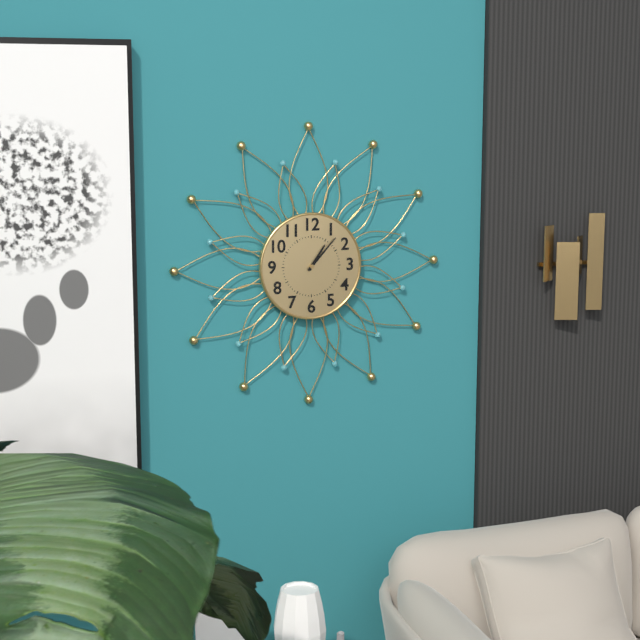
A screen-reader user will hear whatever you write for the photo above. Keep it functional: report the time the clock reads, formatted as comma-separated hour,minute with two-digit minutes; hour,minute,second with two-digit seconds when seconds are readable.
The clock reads 1,07
